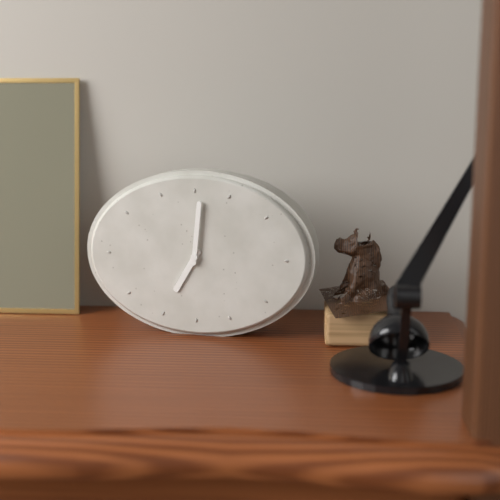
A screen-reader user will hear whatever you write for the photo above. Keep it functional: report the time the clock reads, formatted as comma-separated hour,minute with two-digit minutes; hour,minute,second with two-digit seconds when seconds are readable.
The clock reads 7,01
